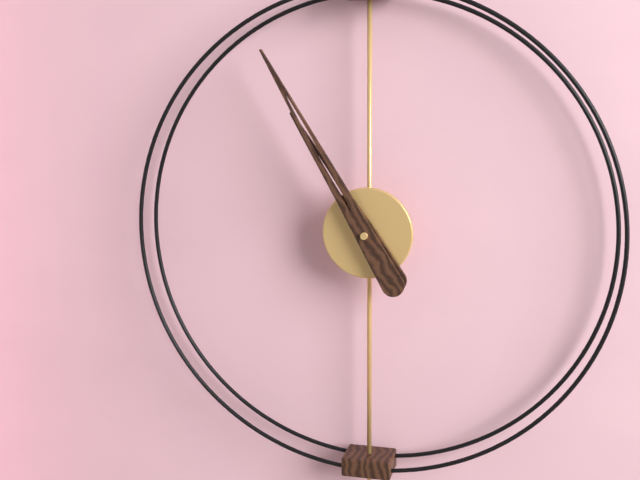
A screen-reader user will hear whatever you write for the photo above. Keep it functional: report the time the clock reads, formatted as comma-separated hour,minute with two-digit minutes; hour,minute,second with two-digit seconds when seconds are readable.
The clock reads 10,55
